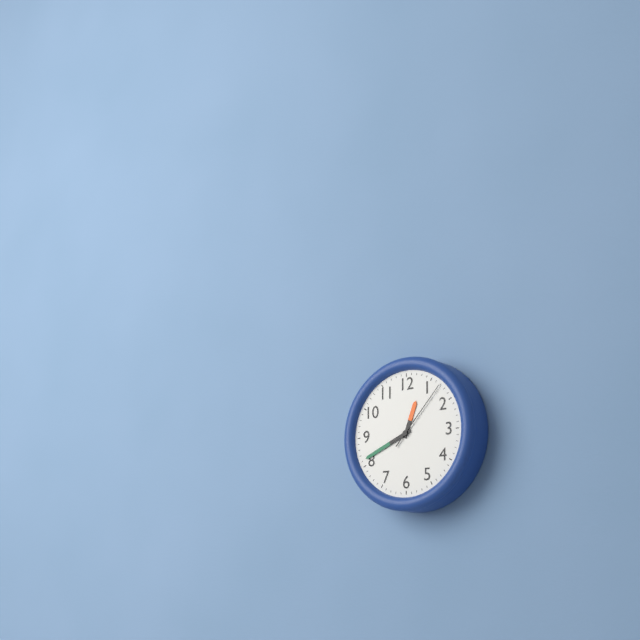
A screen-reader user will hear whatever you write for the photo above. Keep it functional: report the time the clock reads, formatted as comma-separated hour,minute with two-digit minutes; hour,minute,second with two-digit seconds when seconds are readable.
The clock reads 12,41,07
